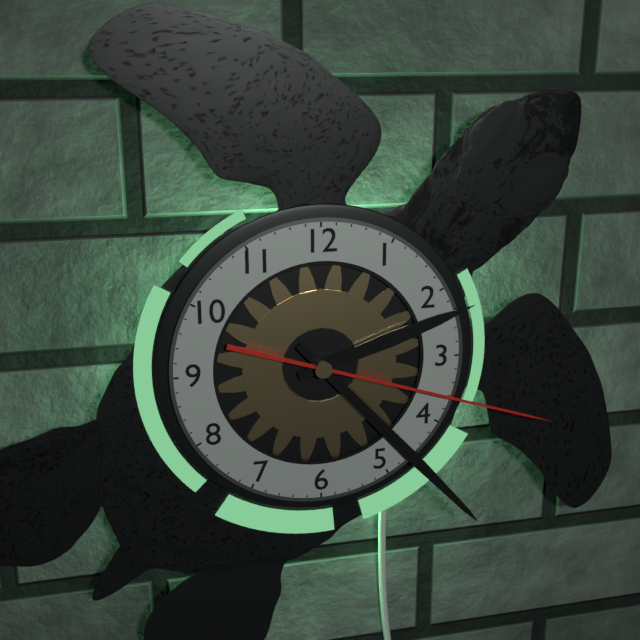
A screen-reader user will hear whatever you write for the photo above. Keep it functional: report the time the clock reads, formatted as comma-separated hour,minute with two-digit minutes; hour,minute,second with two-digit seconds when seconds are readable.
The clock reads 2,23,18
